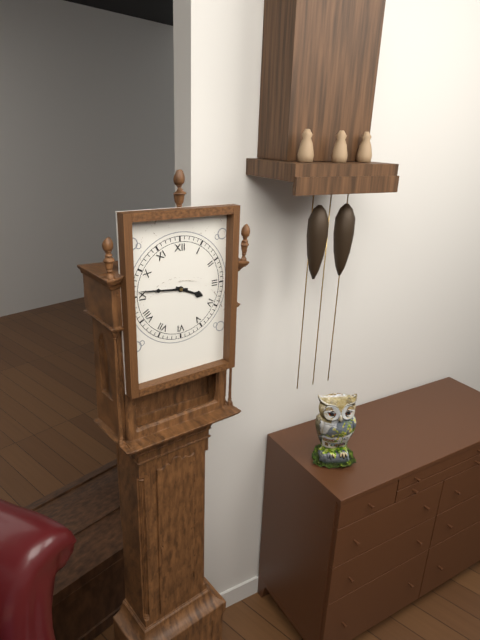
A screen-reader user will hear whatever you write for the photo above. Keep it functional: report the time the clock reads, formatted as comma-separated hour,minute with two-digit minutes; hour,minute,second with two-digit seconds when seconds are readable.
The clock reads 3,46
